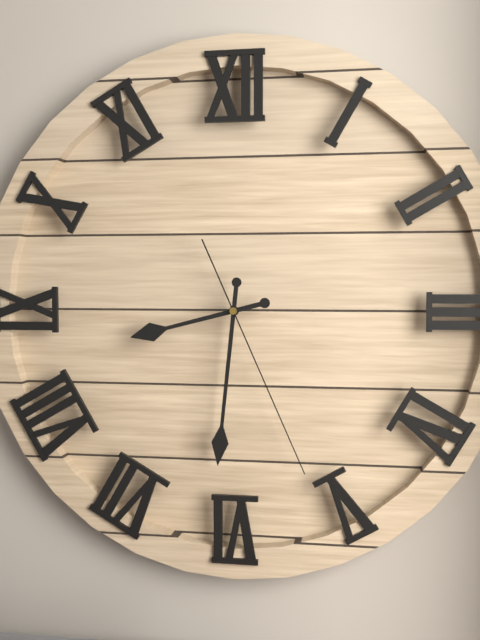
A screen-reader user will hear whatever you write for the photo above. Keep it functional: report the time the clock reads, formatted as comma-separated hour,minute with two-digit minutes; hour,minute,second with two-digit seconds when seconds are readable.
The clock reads 8,31,26
